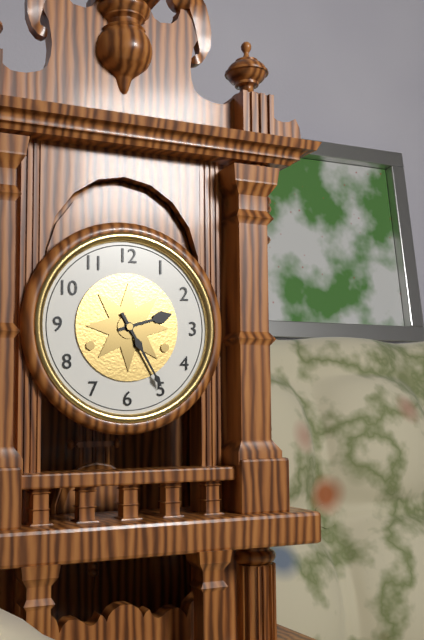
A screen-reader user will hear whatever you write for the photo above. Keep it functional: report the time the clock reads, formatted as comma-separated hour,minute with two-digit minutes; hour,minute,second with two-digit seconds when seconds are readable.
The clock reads 2,25
